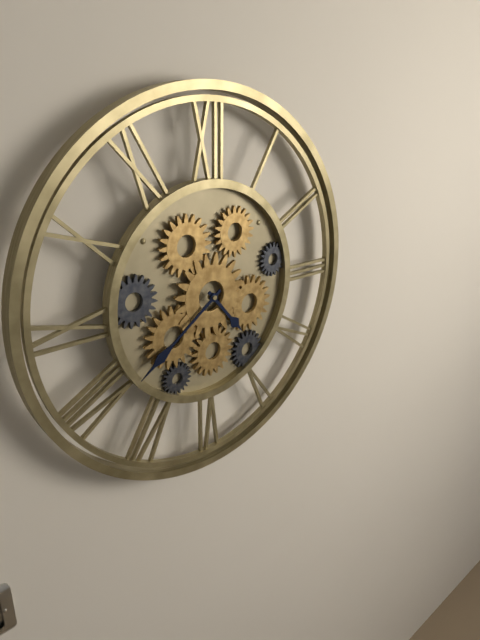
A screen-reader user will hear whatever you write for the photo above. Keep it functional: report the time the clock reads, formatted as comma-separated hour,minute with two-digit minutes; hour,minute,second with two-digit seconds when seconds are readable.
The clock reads 4,39
